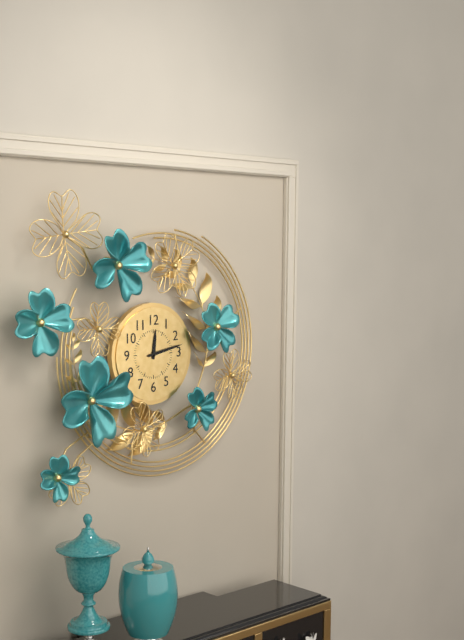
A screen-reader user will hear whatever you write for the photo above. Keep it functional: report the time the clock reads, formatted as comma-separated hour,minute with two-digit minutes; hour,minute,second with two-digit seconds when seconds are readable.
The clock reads 12,13
